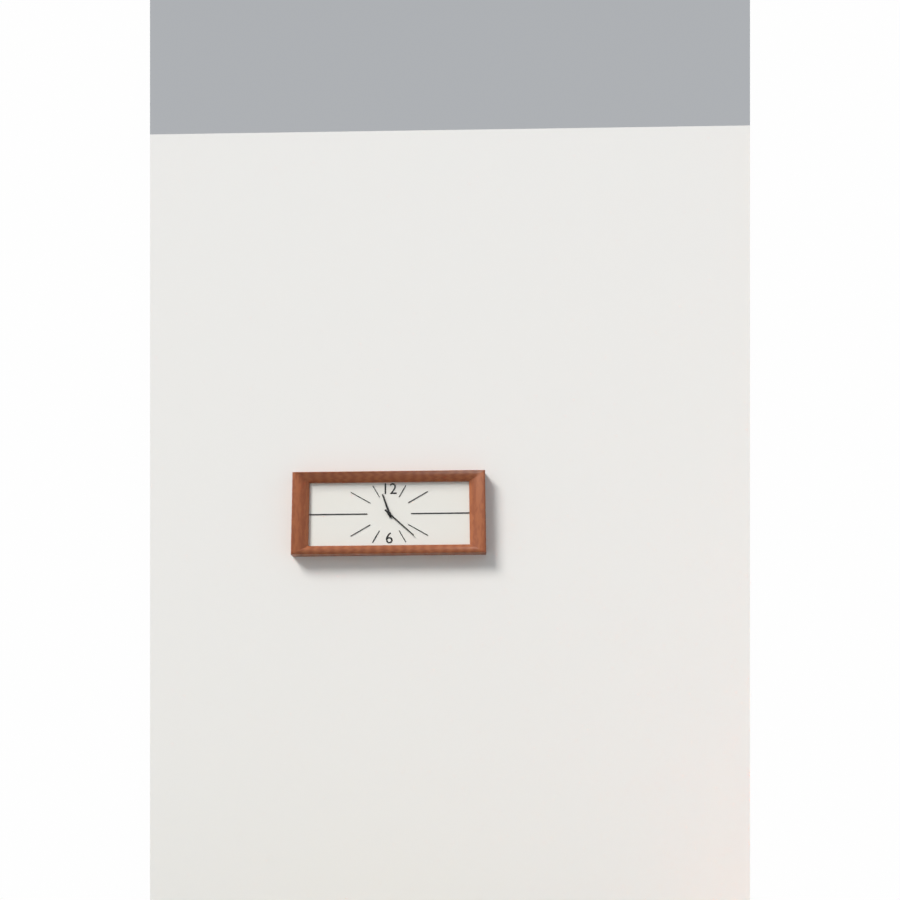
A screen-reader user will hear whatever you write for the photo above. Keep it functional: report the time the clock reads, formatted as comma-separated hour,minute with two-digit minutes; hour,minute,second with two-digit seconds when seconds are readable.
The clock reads 11,22
